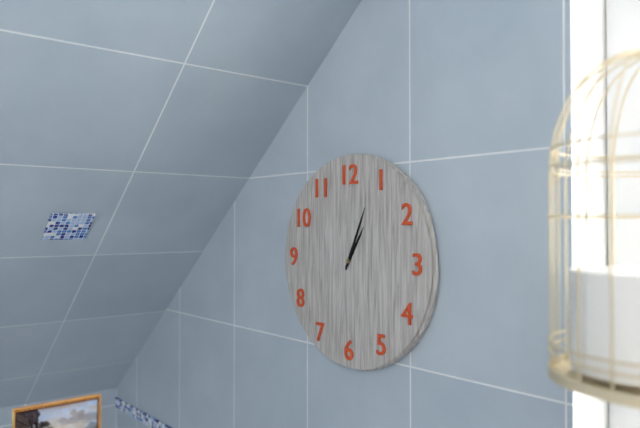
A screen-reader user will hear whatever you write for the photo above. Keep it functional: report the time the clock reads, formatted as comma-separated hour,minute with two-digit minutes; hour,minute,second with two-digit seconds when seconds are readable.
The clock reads 1,04
